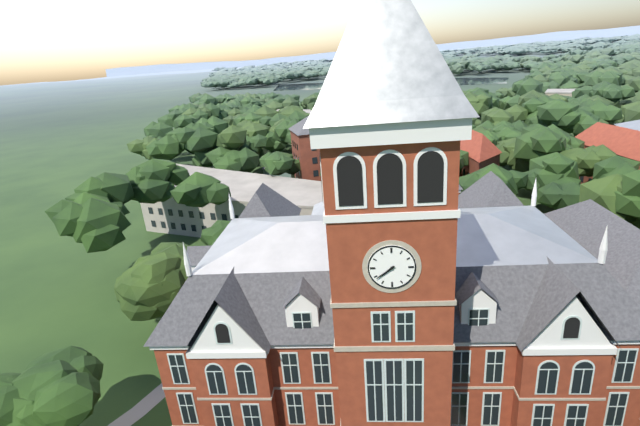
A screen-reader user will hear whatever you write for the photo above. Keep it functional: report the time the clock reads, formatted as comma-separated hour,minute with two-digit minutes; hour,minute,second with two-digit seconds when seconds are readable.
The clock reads 7,39
